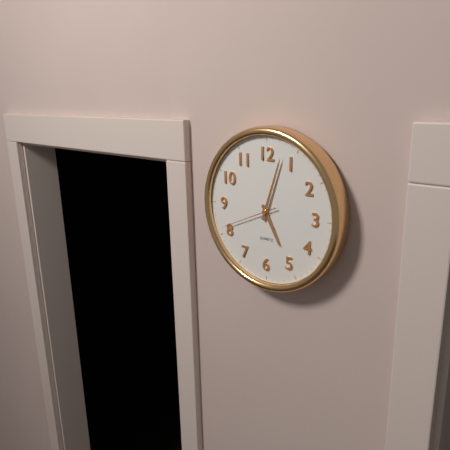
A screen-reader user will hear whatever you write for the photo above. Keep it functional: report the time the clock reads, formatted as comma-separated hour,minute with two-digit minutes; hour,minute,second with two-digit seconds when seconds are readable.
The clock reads 5,03,41
